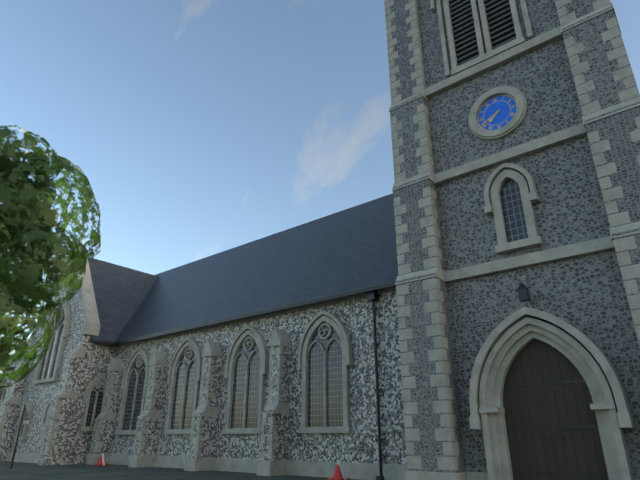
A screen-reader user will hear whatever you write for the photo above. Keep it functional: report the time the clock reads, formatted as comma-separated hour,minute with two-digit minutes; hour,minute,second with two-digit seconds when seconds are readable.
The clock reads 7,41
